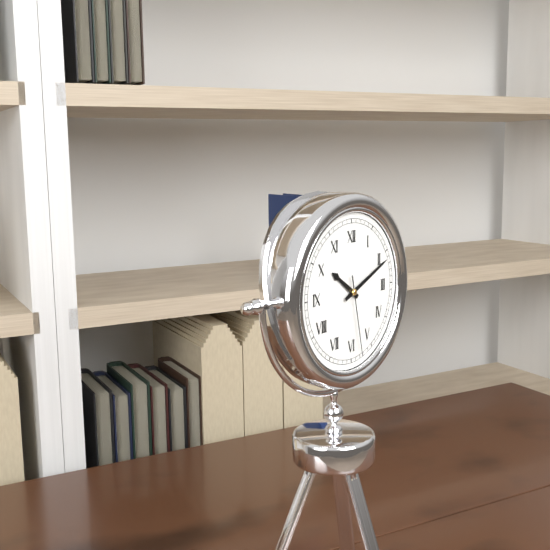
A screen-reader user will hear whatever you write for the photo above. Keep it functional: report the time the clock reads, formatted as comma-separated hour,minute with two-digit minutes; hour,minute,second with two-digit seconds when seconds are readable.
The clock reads 10,11,28
